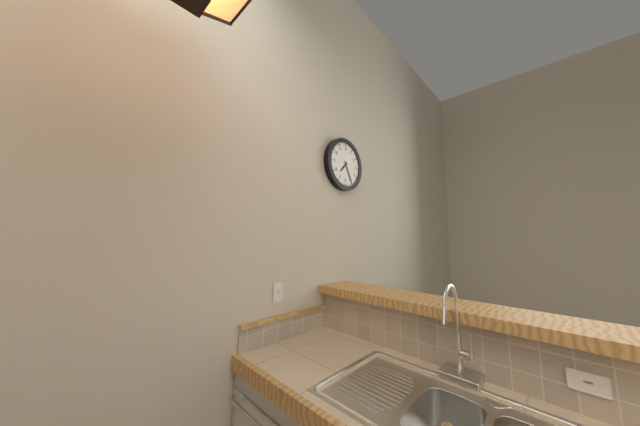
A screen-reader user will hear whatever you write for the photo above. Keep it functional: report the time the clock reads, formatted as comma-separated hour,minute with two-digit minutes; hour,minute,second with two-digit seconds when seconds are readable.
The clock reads 7,25
